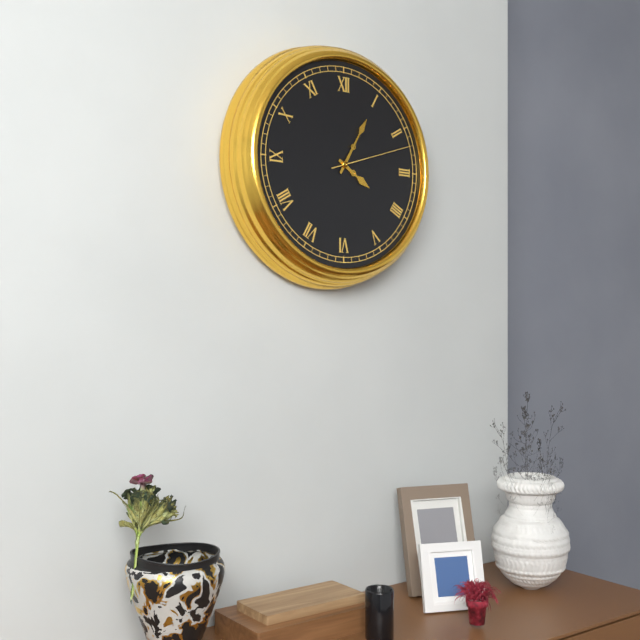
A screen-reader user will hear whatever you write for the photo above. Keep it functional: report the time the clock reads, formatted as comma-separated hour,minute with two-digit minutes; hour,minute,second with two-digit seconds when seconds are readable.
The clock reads 4,05,12
